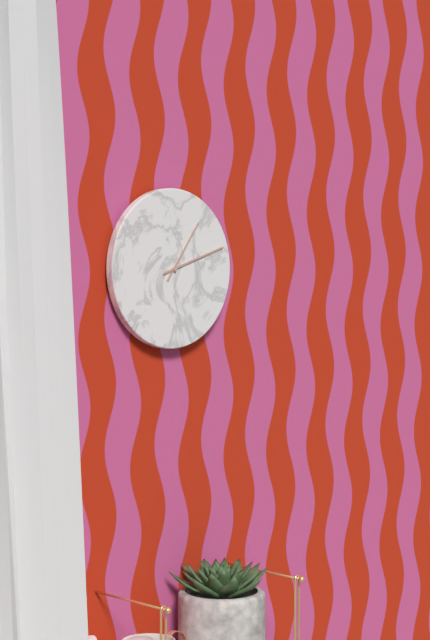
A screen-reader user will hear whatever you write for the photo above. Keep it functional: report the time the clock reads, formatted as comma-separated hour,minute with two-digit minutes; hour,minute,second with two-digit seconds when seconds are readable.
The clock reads 1,12
